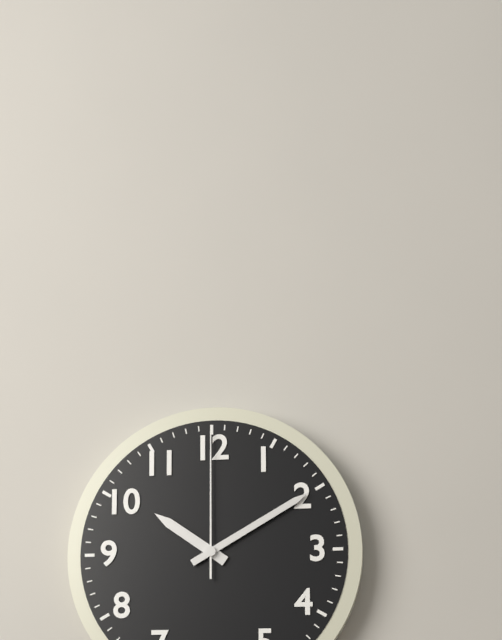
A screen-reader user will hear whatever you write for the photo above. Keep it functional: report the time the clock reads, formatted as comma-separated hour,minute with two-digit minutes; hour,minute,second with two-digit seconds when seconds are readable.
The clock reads 10,10,00
